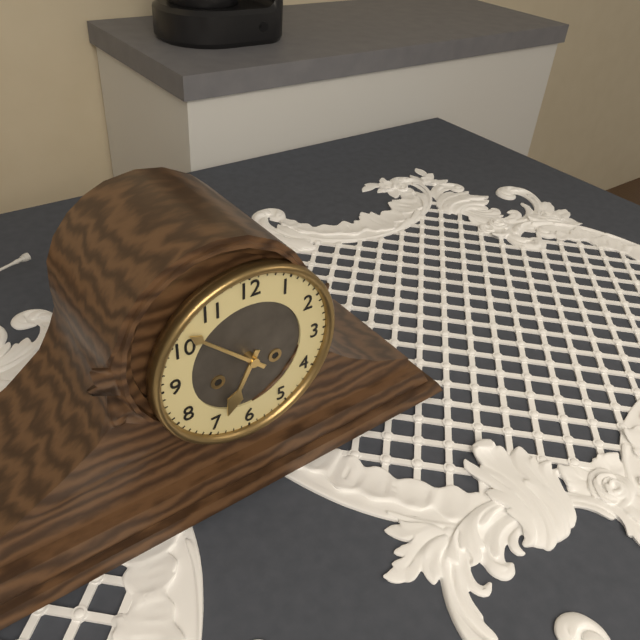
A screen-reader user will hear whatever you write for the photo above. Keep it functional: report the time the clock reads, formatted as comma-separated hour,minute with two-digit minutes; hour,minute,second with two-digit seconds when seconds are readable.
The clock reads 6,52
